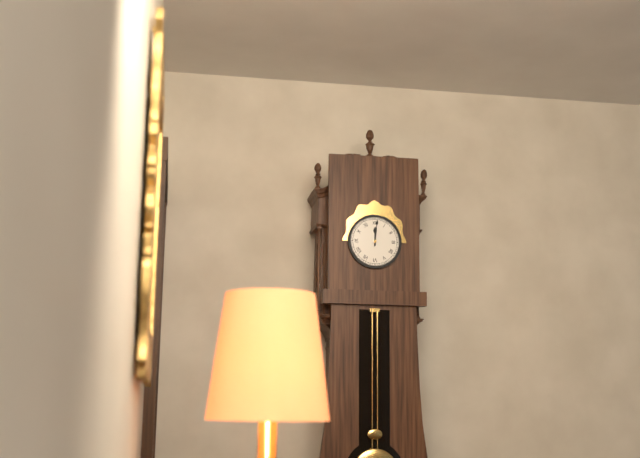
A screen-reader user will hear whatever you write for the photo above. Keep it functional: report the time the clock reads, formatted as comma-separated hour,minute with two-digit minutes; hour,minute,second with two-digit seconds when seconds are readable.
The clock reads 12,01
